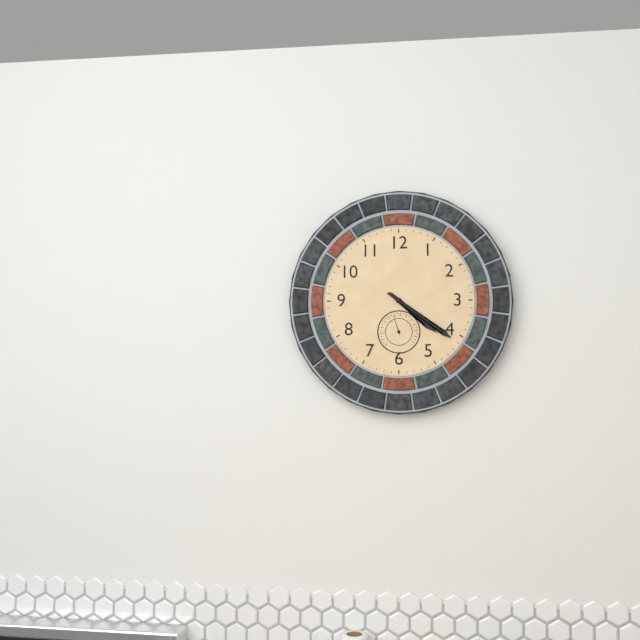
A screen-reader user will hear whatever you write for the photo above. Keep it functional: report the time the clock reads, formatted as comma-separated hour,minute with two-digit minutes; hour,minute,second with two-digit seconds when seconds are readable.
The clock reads 4,21
